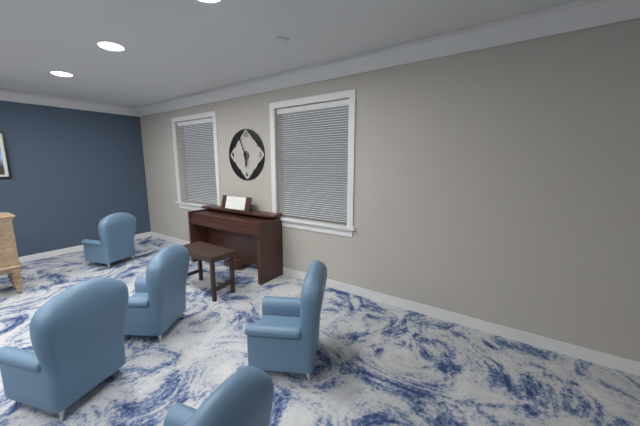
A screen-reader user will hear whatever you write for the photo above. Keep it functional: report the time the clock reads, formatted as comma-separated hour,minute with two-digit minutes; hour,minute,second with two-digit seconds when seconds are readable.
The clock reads 5,56
